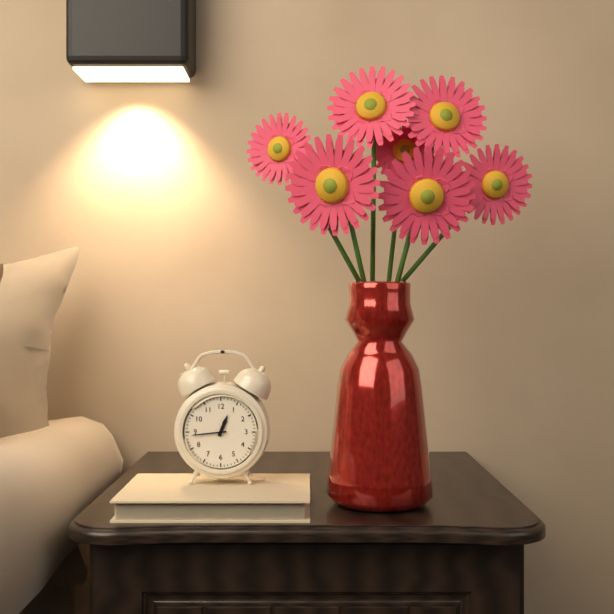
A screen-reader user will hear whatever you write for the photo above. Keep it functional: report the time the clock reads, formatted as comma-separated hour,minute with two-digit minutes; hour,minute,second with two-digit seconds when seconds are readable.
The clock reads 12,44
